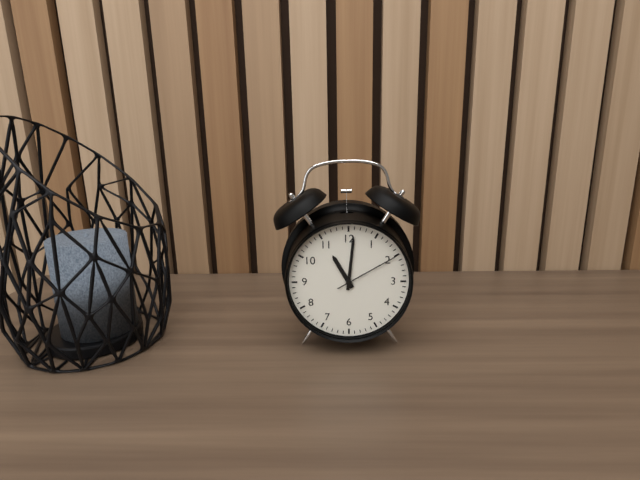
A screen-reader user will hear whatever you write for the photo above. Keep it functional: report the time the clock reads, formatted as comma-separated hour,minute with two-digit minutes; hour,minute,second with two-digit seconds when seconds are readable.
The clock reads 11,01,10
